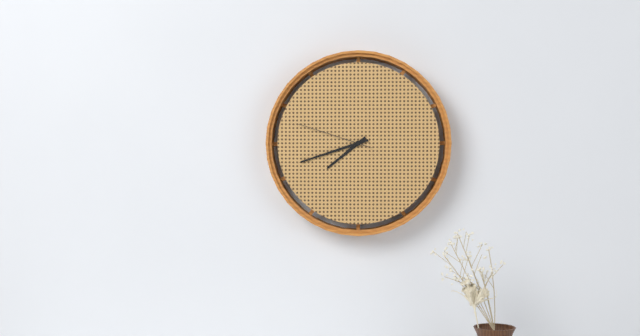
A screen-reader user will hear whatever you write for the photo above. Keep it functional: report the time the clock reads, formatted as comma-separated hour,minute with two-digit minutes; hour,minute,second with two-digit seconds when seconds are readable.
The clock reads 7,42,48
